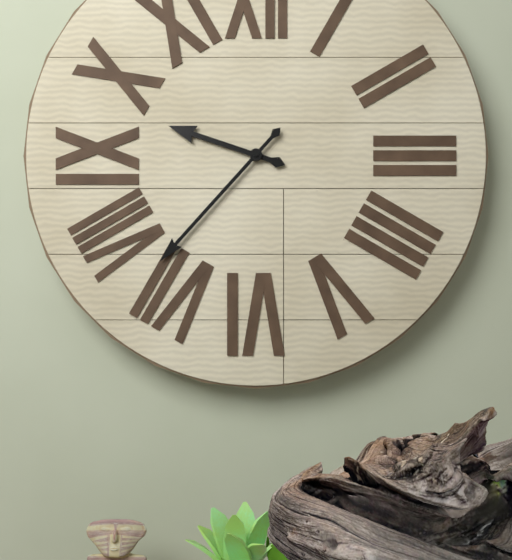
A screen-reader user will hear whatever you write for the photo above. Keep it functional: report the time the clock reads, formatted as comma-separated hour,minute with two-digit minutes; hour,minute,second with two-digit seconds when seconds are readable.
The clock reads 9,37
